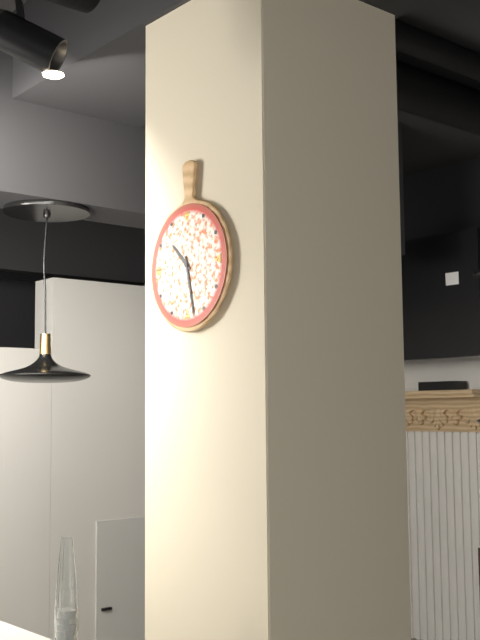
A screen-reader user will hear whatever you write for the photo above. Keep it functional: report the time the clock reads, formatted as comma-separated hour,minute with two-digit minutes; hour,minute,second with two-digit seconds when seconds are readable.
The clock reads 10,28
